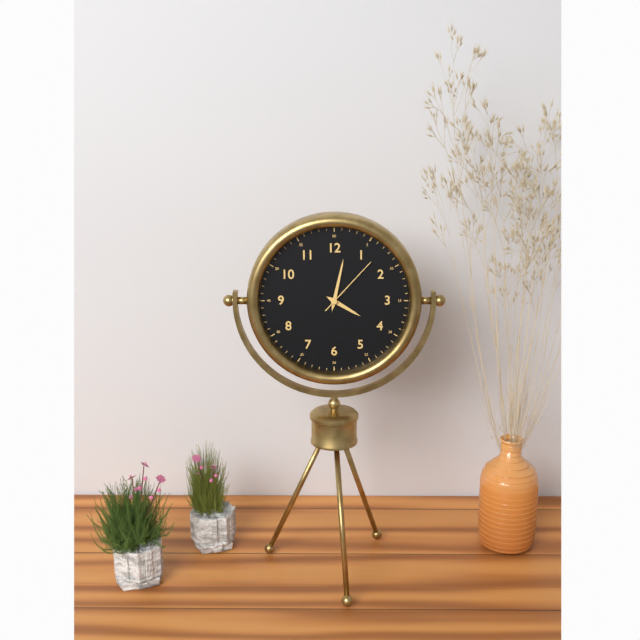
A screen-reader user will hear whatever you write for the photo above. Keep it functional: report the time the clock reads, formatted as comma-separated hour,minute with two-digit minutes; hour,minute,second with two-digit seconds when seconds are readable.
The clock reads 4,02,07
